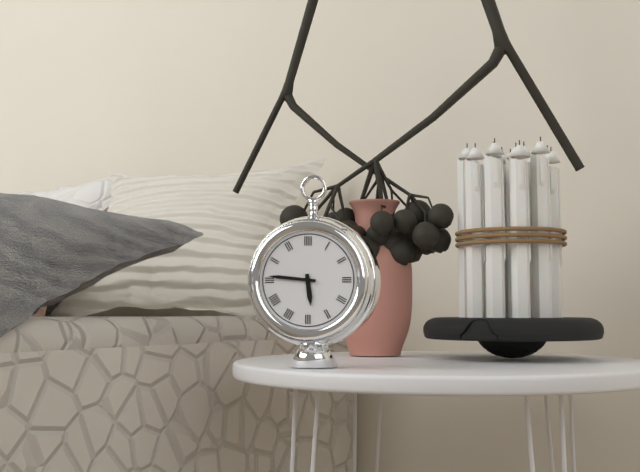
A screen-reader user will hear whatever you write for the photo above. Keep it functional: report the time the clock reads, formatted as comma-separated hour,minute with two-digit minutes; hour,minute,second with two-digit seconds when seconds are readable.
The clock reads 5,46
